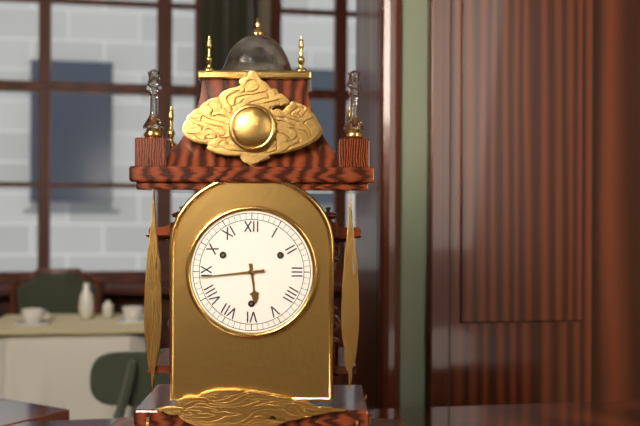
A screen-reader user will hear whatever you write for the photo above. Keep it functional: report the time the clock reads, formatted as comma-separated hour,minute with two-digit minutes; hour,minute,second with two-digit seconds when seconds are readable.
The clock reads 5,44
